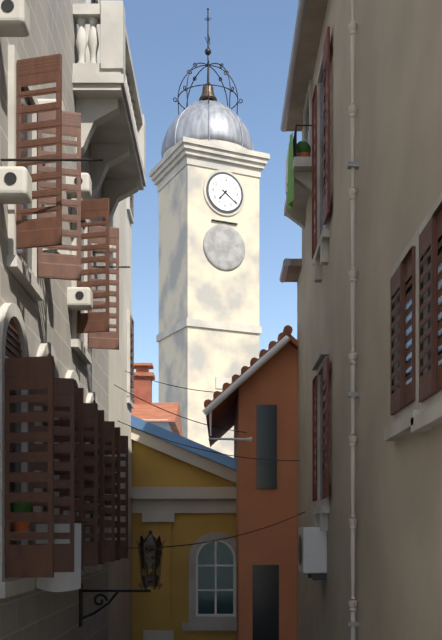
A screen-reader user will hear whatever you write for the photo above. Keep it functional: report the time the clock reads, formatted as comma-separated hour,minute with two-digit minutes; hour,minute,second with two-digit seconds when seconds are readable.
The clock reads 7,21
